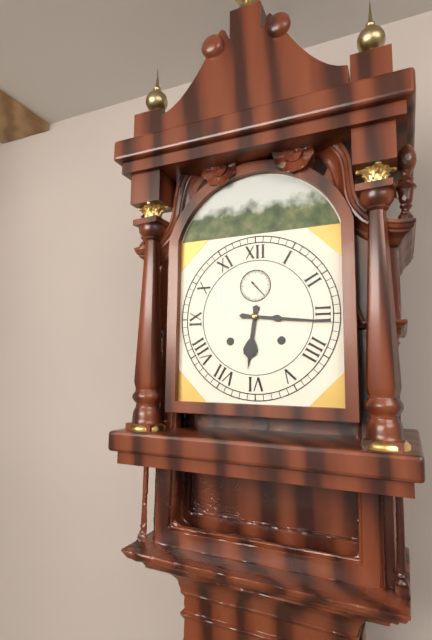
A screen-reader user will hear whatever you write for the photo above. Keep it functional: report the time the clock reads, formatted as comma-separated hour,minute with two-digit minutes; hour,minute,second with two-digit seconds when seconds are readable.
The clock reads 6,16
